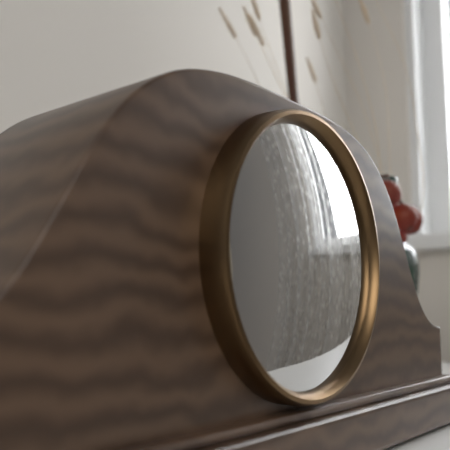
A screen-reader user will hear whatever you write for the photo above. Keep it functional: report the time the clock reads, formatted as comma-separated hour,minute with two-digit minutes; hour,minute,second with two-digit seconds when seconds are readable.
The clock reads 8,20
